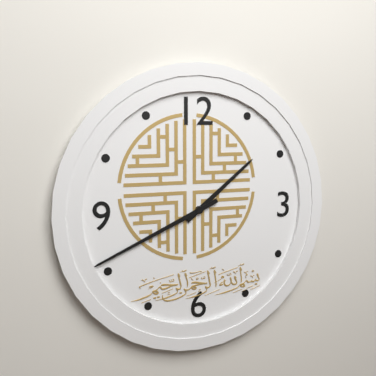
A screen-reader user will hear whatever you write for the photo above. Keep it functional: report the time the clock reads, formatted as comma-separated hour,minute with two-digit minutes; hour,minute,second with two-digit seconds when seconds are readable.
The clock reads 1,41
